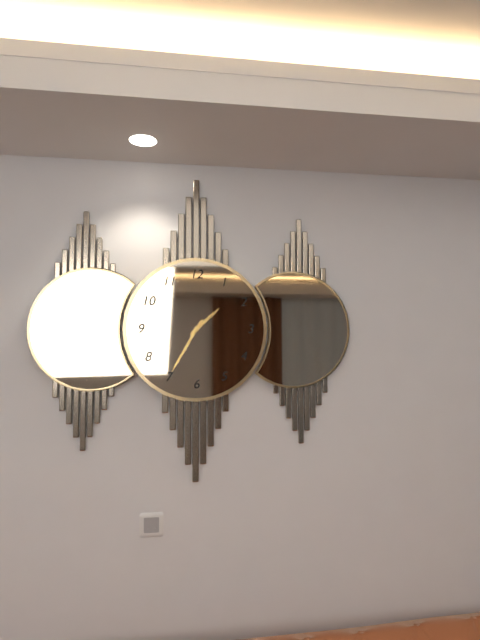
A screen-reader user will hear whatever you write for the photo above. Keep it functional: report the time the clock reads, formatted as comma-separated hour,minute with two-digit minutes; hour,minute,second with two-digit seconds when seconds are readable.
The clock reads 1,35
